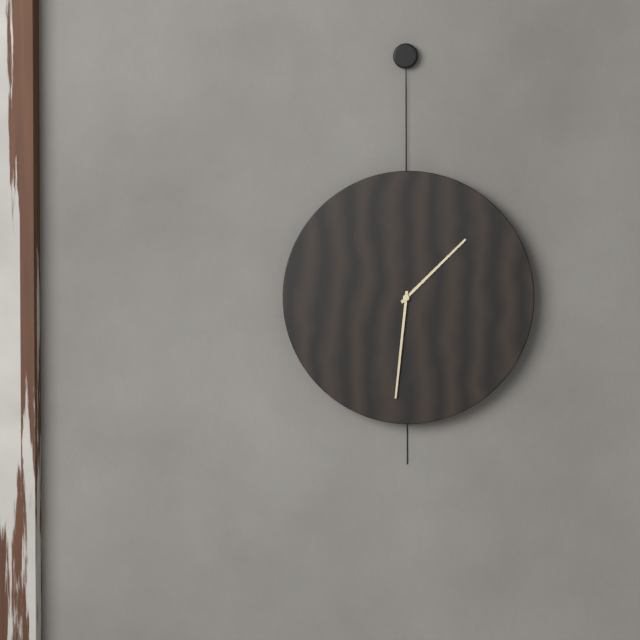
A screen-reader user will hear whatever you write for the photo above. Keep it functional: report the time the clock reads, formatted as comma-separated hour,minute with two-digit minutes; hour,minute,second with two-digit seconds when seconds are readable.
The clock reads 1,31
